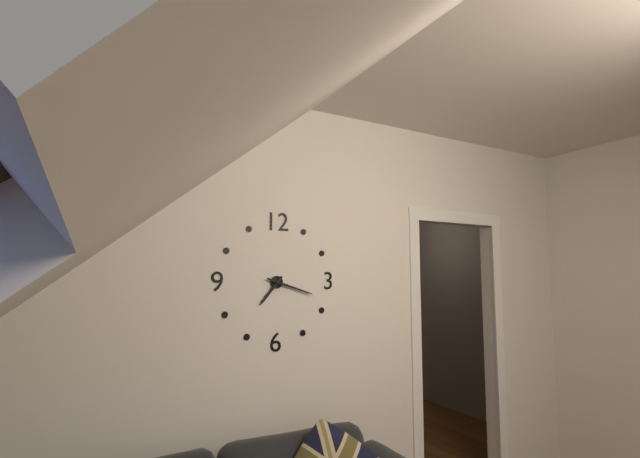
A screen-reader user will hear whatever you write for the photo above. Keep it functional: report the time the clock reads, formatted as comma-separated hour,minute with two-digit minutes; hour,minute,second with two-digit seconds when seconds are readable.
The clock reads 7,18
